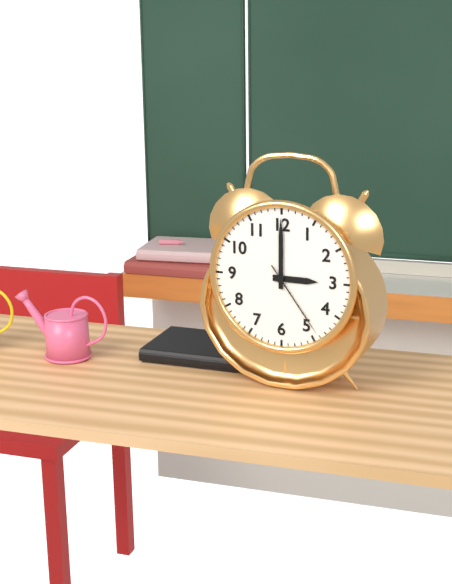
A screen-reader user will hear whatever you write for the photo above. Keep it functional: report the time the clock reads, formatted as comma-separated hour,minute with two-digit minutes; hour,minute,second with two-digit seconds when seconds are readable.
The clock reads 3,00,24
